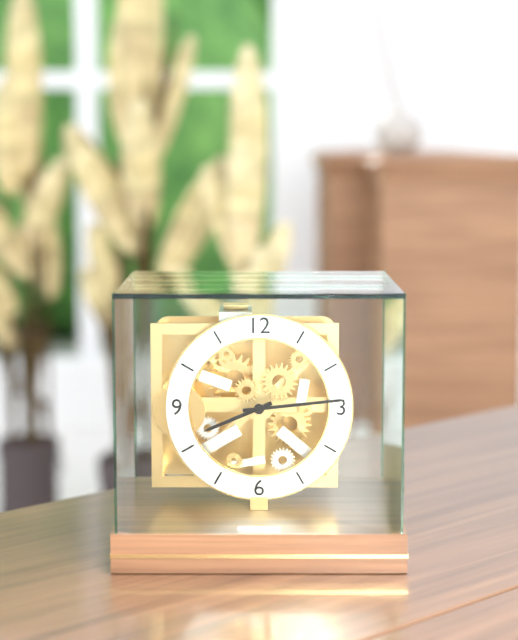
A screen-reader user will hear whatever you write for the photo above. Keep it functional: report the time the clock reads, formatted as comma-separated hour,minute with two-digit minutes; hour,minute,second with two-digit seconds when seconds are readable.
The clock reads 8,14
